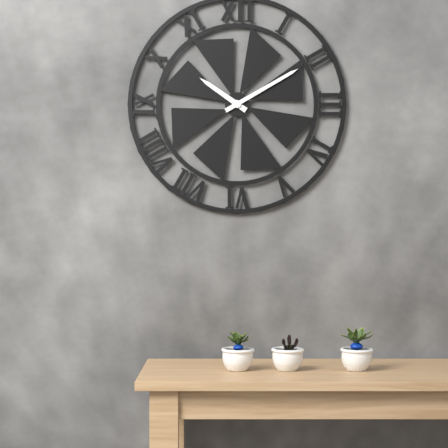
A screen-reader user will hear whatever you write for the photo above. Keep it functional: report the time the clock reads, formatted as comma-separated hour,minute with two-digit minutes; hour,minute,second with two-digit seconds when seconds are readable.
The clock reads 10,10
